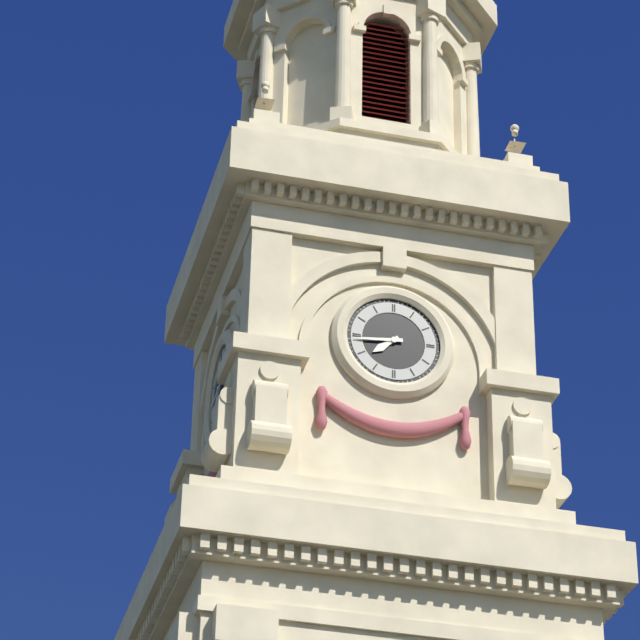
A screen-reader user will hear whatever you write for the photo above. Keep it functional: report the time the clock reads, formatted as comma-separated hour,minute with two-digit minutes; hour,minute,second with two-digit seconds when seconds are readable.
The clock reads 7,44
